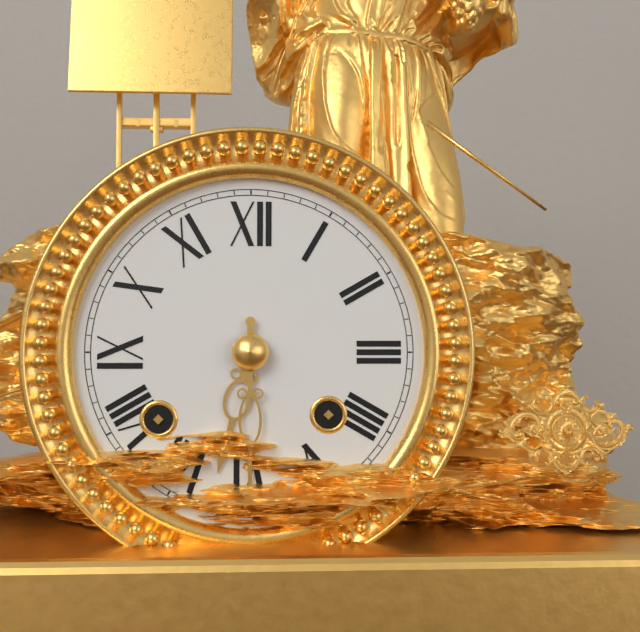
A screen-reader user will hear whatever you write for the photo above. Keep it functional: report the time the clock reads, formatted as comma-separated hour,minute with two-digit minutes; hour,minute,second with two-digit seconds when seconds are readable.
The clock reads 6,30
